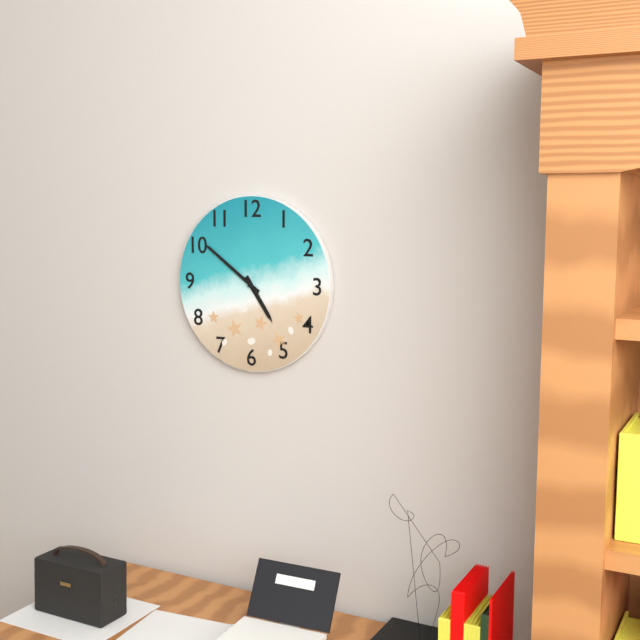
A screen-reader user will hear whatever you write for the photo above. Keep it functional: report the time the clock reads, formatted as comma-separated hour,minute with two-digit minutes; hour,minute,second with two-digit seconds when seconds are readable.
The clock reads 4,51
